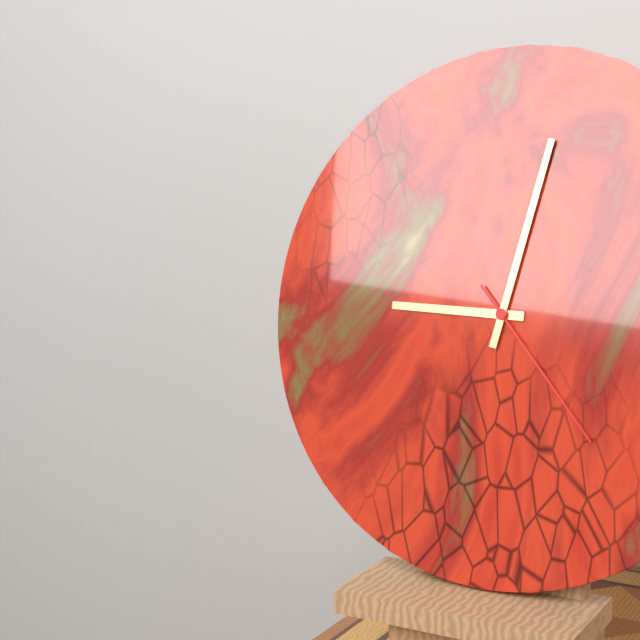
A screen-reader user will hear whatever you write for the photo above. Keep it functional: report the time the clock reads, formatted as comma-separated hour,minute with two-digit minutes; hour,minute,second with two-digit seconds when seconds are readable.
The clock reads 9,02,23
